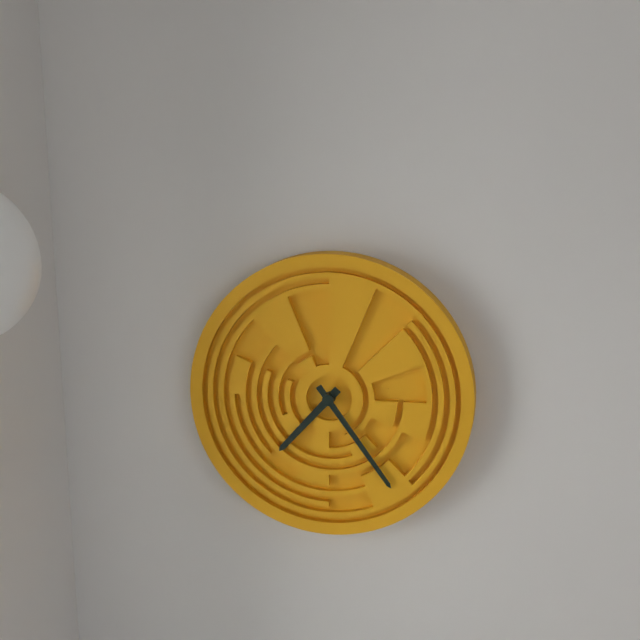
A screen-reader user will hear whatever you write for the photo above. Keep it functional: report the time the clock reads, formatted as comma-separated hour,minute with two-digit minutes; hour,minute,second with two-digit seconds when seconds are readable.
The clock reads 7,24
